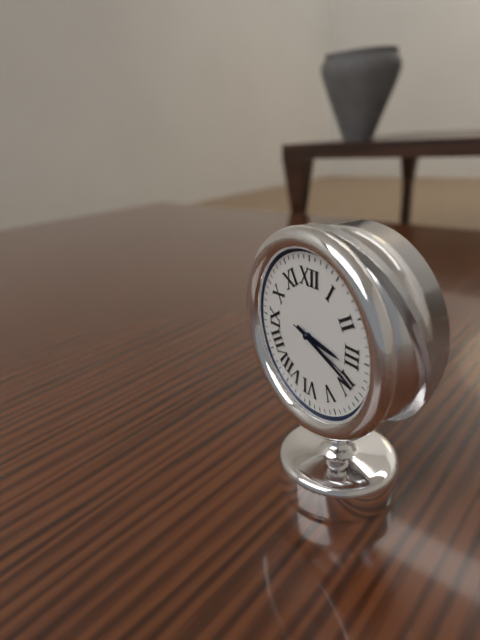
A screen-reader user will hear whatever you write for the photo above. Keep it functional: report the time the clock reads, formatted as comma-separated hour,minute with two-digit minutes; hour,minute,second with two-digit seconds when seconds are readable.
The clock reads 3,19,18
